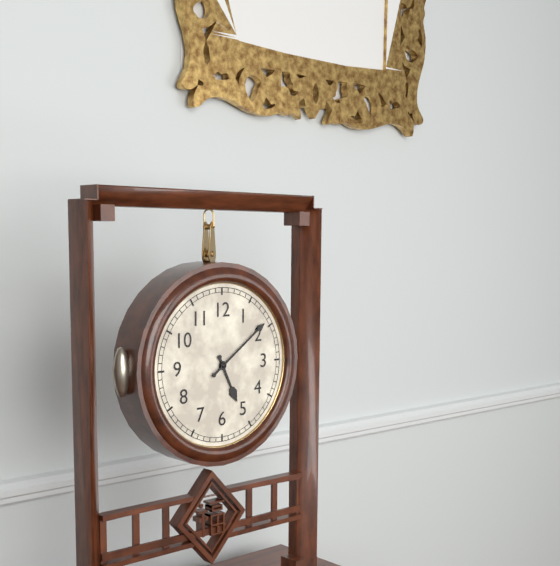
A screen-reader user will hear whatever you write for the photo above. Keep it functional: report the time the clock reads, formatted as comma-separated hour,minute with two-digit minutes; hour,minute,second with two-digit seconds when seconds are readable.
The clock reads 5,09
